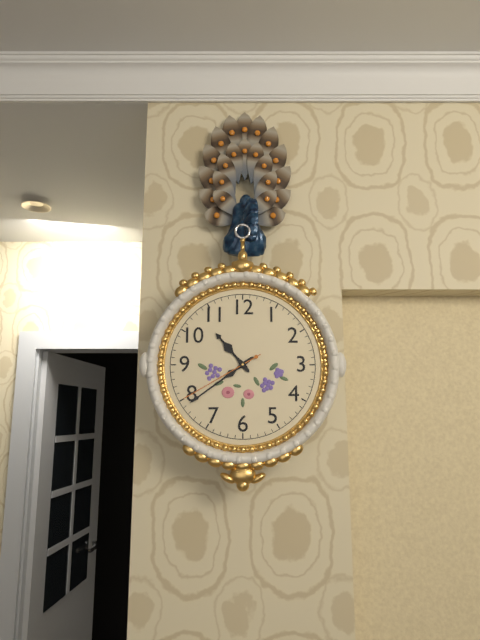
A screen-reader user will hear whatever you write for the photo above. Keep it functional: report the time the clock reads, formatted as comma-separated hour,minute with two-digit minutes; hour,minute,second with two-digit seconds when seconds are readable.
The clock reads 10,39,40
